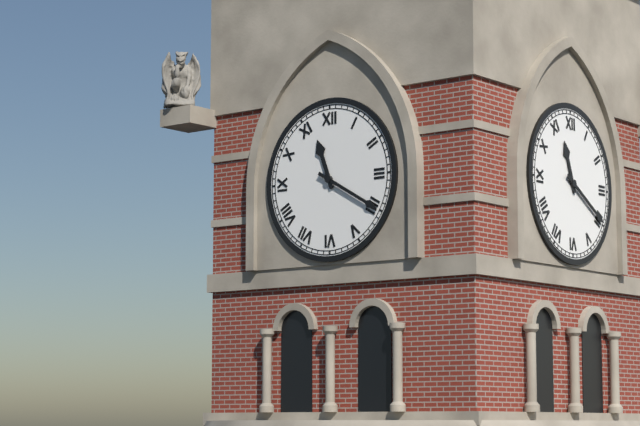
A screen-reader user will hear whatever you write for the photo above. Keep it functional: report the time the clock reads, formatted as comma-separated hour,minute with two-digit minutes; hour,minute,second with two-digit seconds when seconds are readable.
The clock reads 11,20
